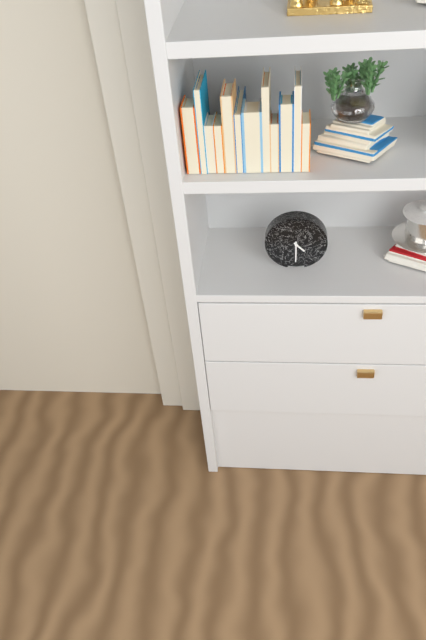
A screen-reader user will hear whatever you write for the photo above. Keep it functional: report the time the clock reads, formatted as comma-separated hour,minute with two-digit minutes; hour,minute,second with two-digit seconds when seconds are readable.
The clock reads 4,30
